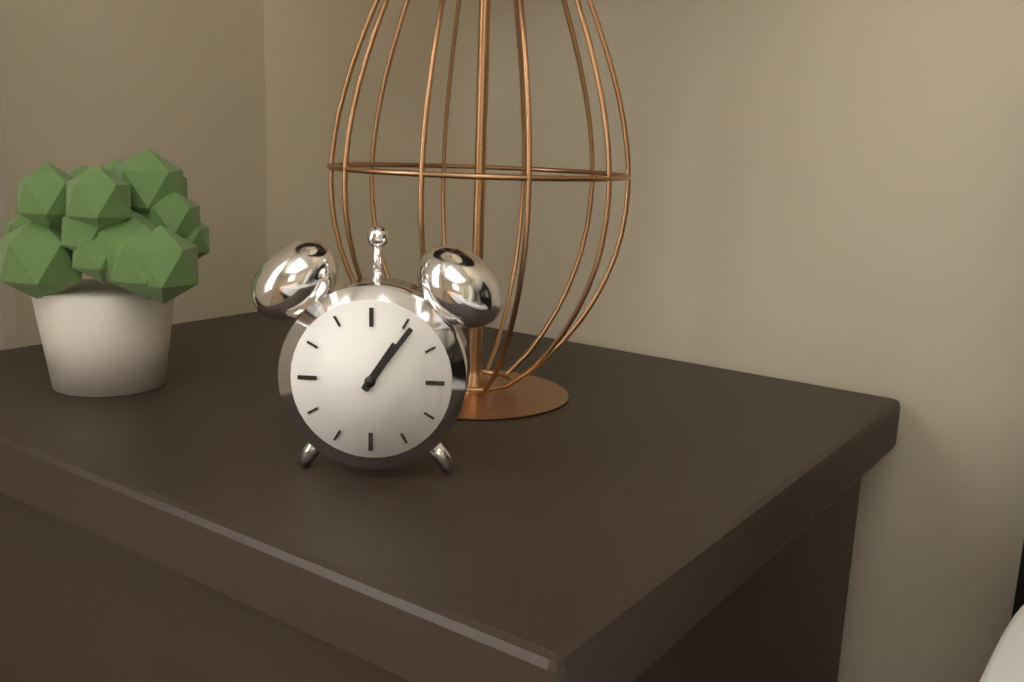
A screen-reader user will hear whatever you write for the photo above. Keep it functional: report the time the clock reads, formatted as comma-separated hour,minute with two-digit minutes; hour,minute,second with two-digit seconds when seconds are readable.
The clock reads 1,06
